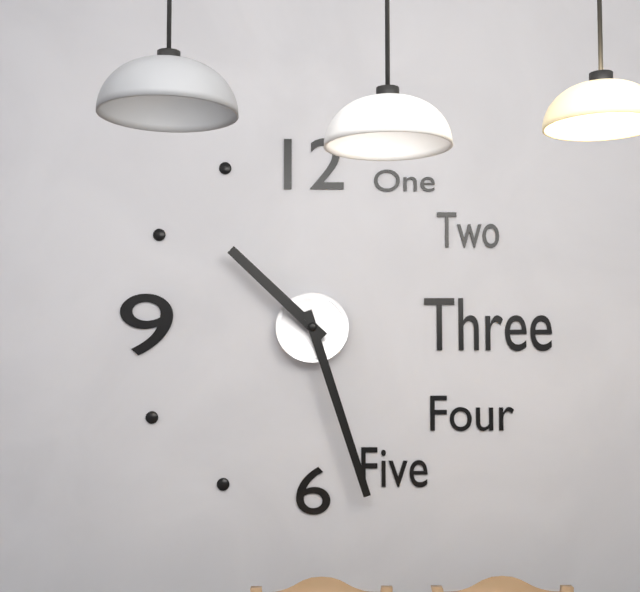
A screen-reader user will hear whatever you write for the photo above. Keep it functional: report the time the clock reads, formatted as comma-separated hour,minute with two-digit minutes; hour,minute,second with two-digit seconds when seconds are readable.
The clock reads 10,27
